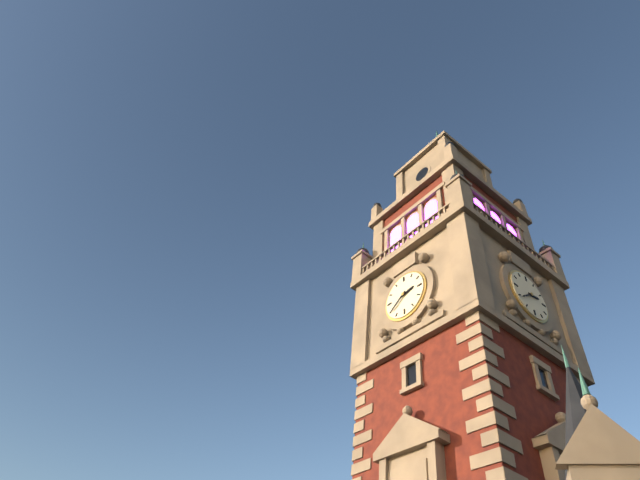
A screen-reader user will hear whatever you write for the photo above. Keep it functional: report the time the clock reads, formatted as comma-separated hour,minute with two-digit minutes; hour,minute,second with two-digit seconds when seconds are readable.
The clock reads 2,39
